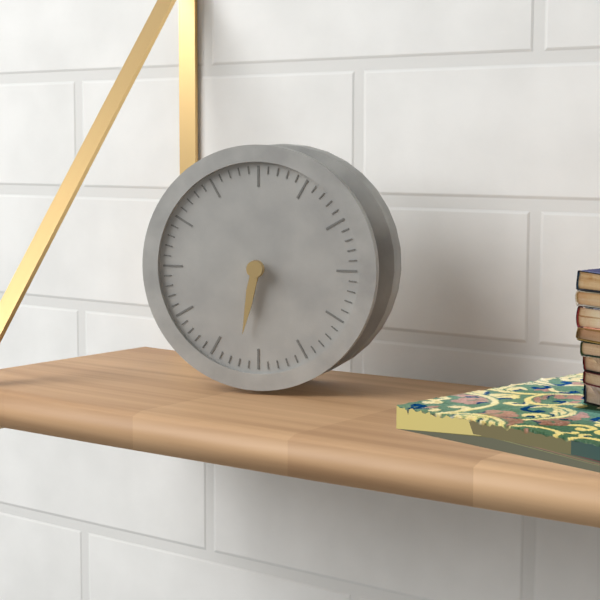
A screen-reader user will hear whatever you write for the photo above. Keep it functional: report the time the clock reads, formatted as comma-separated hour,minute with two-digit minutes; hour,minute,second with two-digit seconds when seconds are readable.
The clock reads 6,32
